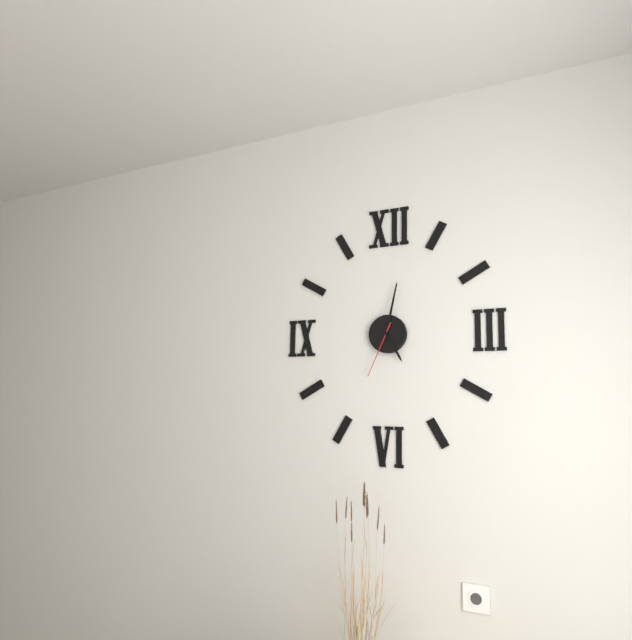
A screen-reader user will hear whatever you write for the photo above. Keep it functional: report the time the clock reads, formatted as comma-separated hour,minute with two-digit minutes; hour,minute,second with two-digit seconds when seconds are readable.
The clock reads 5,02,34
